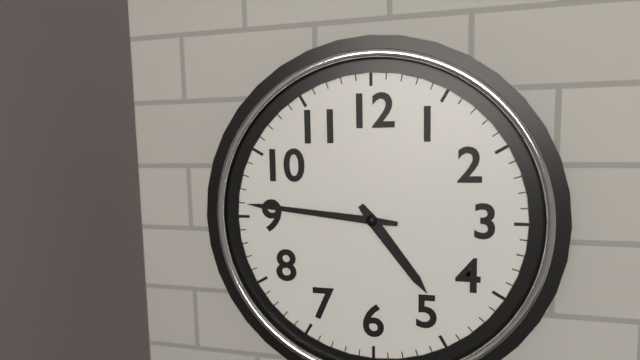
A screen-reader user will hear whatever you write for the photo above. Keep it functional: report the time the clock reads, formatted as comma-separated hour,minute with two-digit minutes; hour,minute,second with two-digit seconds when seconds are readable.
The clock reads 4,46
